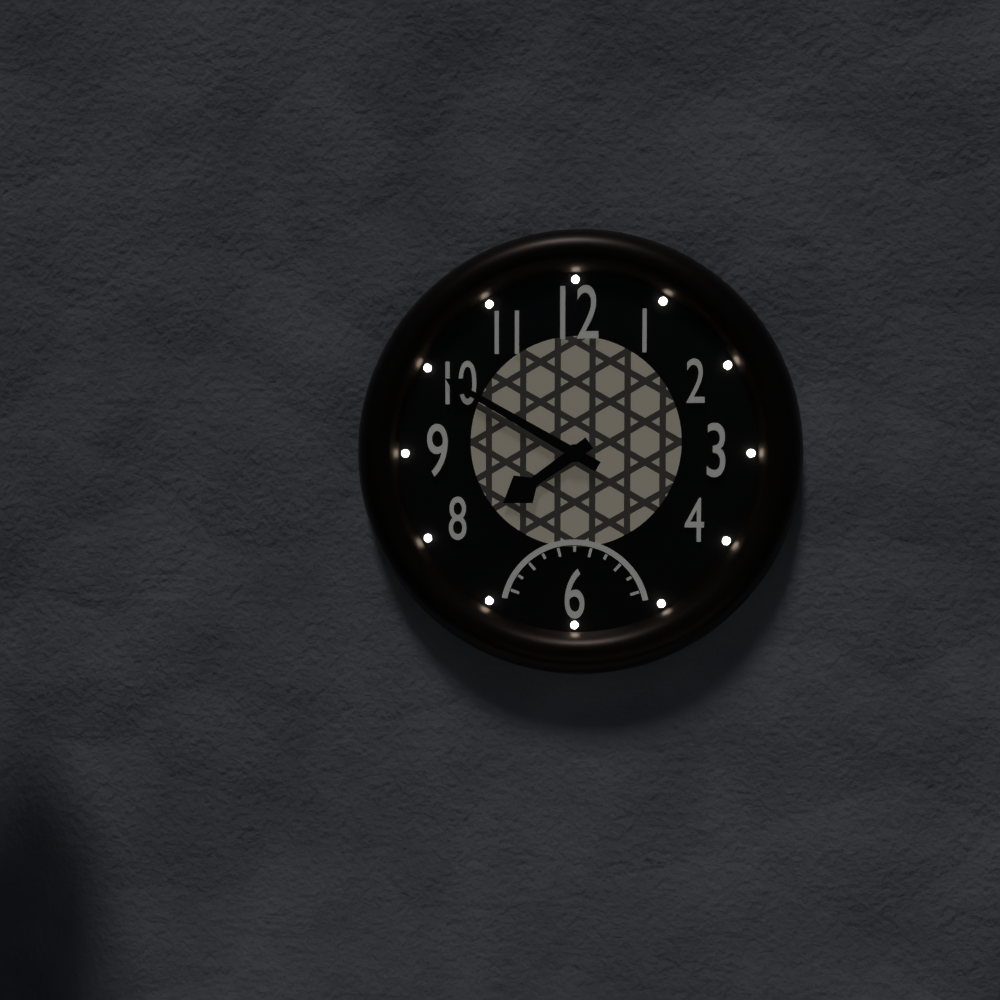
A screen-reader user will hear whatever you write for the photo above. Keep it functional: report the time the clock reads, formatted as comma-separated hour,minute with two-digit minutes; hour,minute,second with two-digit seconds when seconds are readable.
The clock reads 7,50
